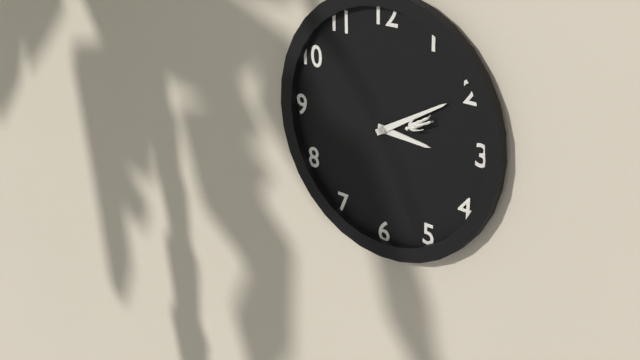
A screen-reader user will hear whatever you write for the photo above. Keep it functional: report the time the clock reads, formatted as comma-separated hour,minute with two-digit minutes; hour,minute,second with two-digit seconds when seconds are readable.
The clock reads 3,10
